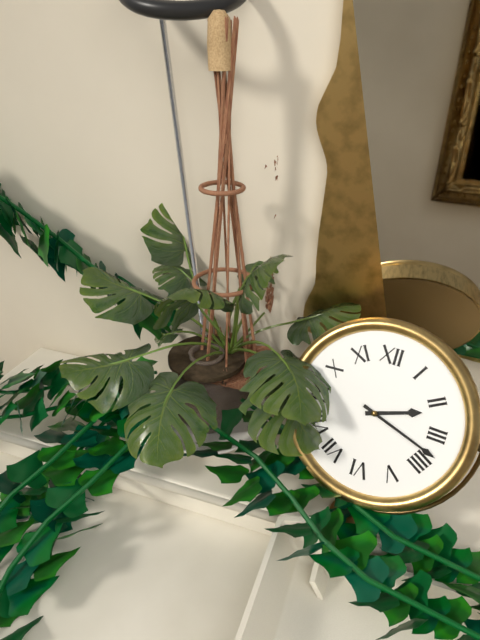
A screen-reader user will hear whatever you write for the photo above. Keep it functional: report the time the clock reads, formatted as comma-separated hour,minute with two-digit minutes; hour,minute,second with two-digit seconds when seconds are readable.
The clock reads 2,18
